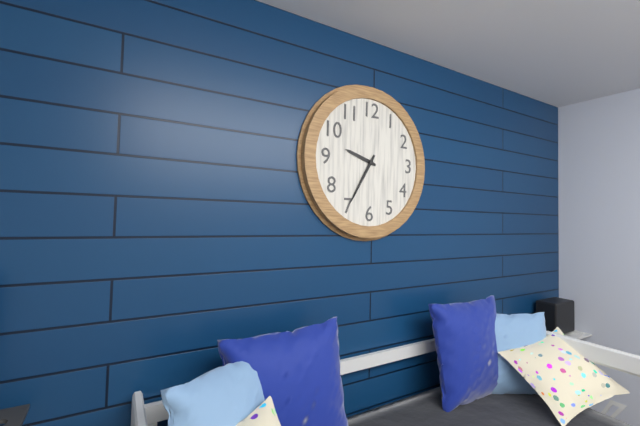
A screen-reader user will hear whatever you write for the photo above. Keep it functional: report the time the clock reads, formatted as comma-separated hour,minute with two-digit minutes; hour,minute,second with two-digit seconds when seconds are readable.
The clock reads 9,35
